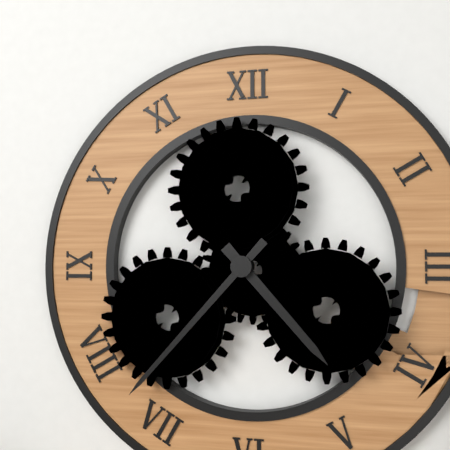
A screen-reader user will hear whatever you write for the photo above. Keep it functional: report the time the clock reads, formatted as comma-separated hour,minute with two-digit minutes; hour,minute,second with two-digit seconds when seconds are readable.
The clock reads 4,37
